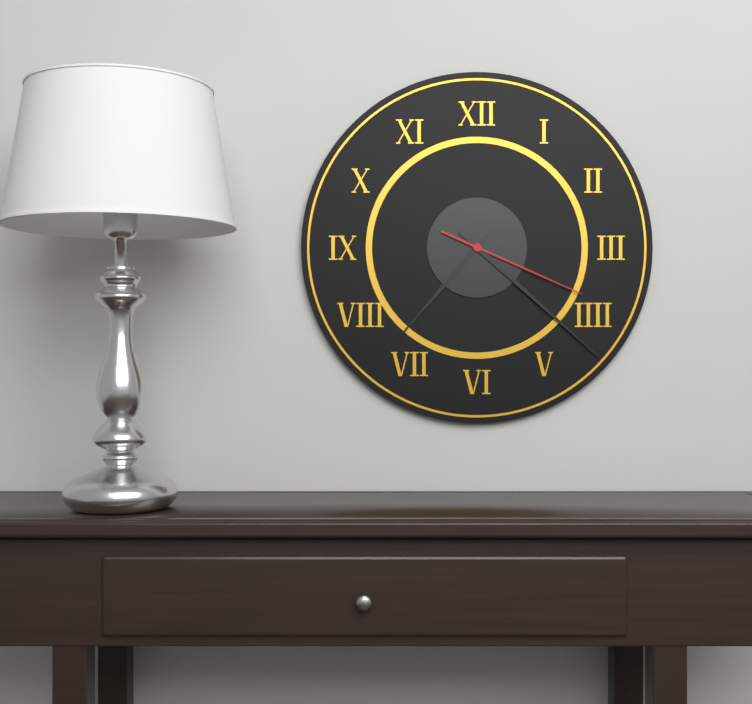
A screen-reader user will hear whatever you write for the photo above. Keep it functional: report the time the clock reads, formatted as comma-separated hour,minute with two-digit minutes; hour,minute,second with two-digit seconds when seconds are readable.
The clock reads 7,22,19
